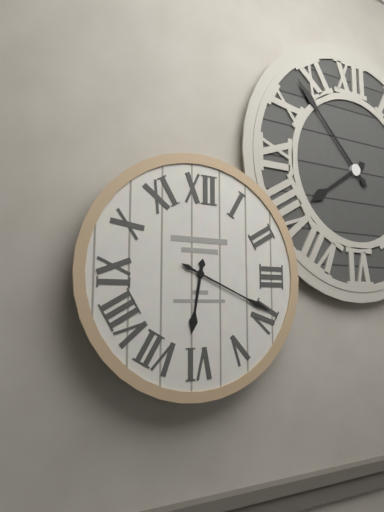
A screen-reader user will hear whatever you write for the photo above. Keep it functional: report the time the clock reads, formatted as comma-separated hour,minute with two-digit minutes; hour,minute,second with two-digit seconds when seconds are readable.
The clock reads 6,19
